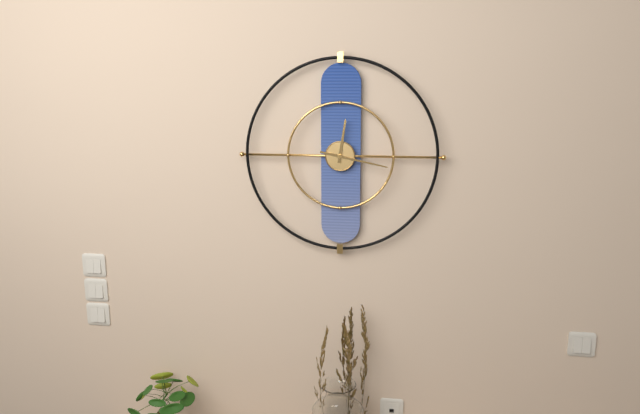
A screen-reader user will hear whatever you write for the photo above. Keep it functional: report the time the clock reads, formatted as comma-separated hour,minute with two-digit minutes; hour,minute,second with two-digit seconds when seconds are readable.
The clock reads 12,17
